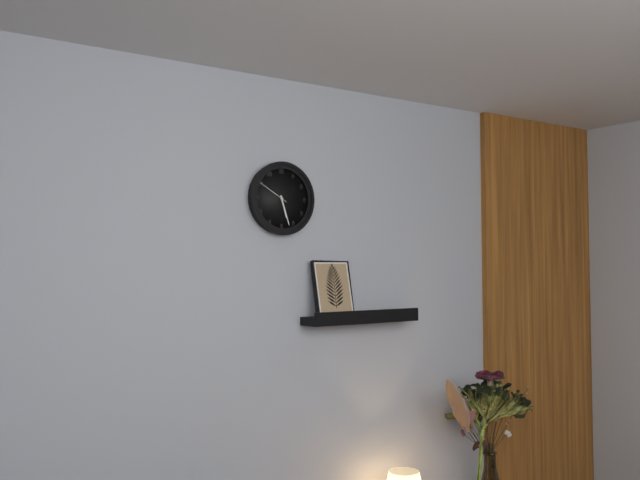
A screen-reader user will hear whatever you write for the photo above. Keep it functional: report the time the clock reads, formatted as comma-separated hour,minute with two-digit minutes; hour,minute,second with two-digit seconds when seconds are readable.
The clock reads 5,27
